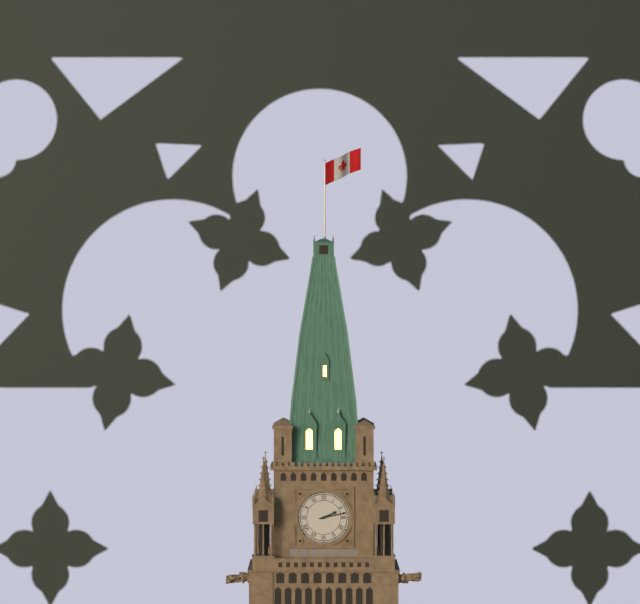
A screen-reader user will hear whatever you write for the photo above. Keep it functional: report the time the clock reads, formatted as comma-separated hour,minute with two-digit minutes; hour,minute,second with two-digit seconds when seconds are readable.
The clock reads 2,13
